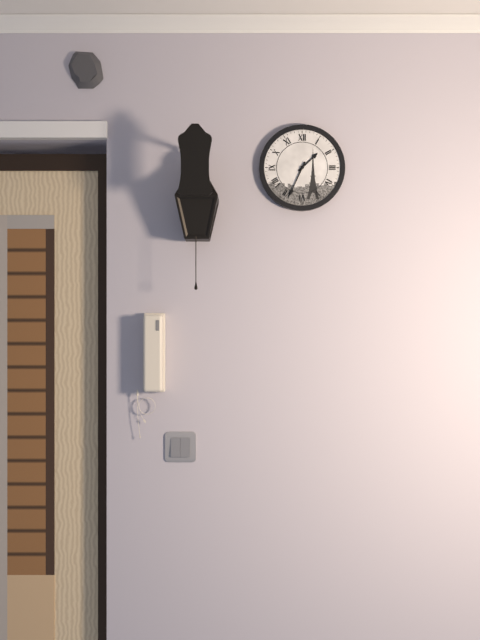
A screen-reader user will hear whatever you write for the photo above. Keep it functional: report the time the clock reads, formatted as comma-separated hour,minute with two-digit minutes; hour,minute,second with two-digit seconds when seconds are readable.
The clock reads 1,34
